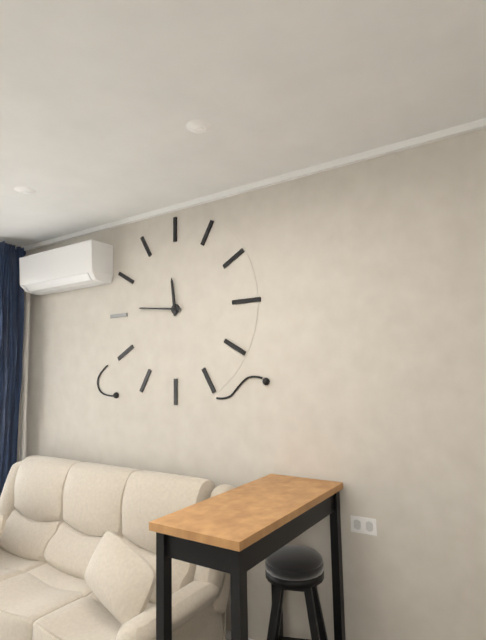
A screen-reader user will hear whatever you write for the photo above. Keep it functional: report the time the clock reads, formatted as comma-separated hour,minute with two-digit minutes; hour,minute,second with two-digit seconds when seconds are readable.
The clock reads 11,46
